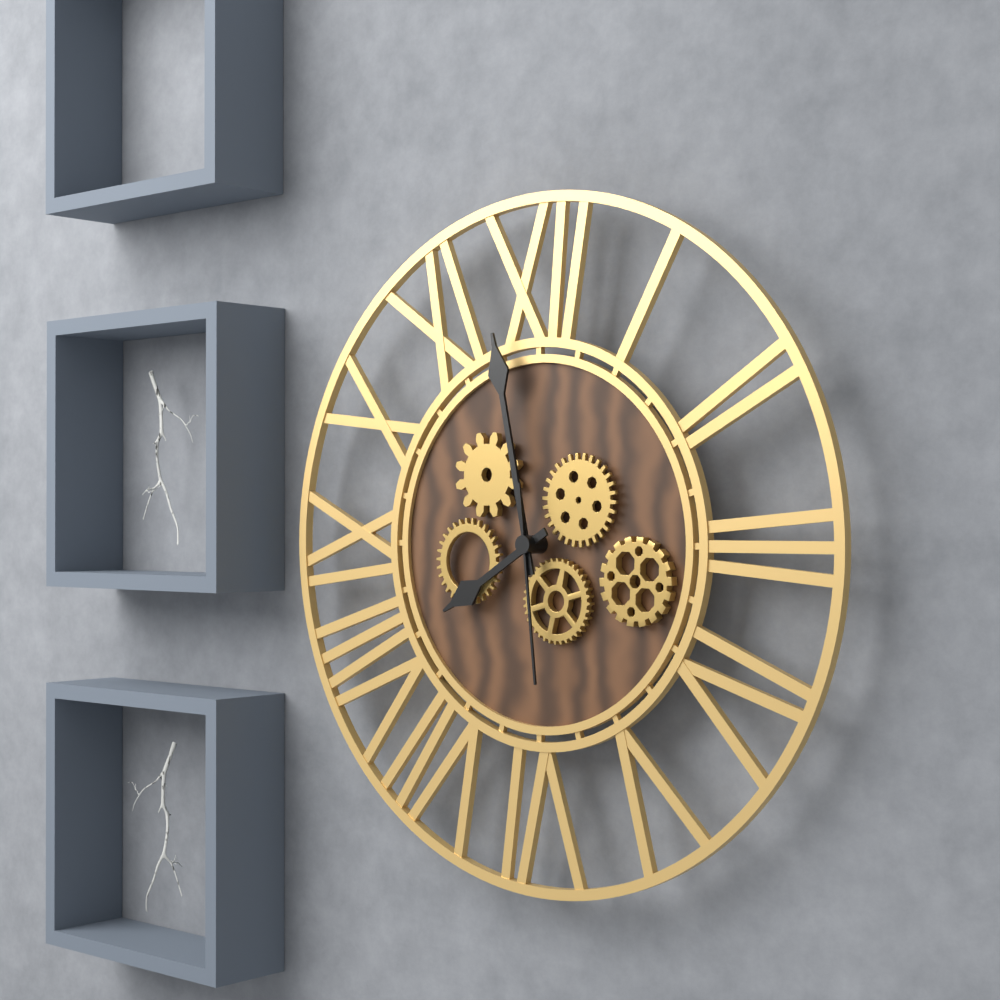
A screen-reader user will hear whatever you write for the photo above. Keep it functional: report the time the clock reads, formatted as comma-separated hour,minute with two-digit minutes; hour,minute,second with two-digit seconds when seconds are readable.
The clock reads 7,58,29
